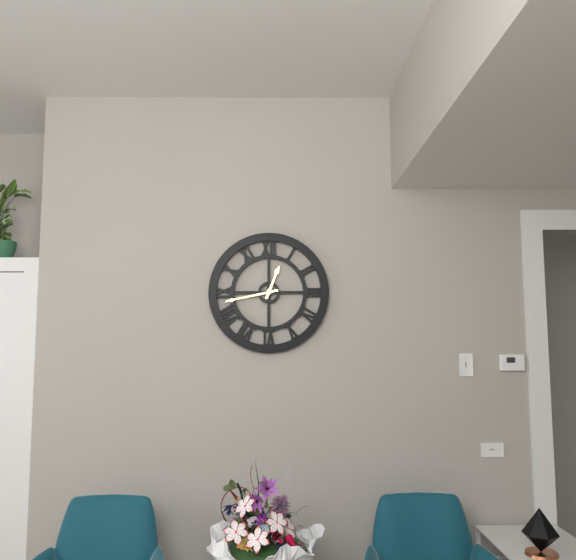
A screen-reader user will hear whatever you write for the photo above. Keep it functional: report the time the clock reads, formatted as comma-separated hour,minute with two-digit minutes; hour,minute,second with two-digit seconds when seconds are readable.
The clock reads 12,43
